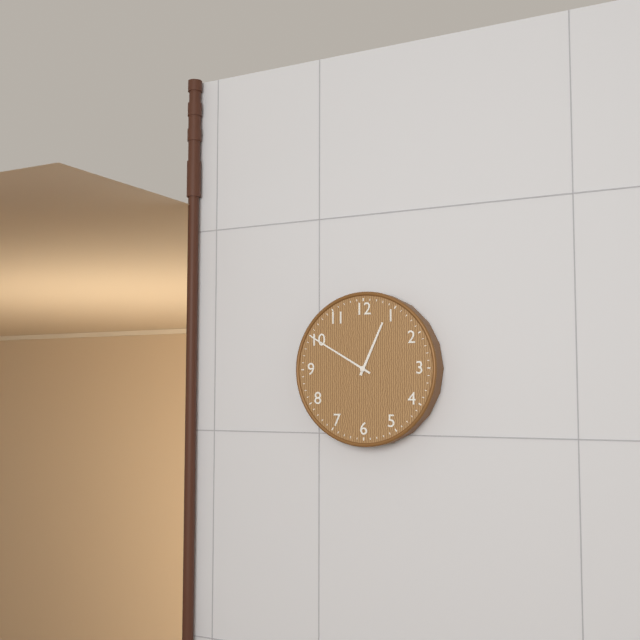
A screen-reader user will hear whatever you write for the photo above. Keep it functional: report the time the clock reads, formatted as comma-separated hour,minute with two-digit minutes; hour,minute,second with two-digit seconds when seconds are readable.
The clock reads 12,50
